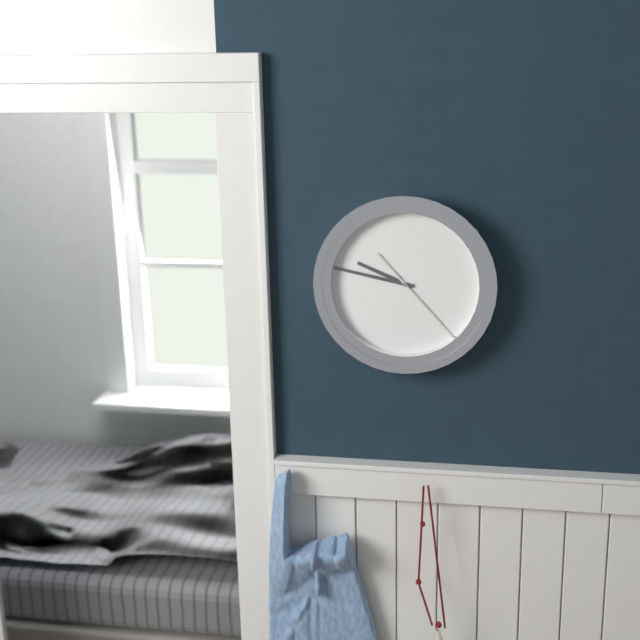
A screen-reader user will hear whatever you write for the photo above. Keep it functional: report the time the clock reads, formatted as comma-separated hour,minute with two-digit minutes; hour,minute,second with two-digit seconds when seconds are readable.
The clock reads 9,47,23
